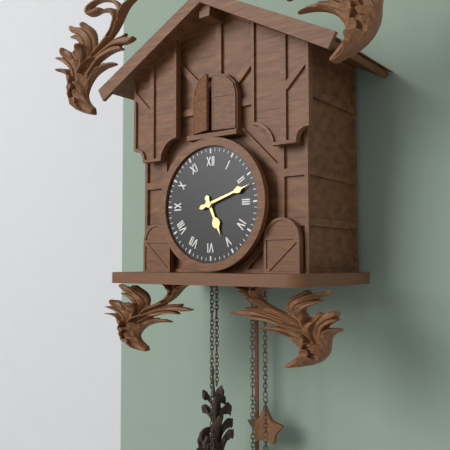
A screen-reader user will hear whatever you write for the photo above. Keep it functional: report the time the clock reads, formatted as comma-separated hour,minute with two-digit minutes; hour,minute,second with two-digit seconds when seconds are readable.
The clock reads 5,12
